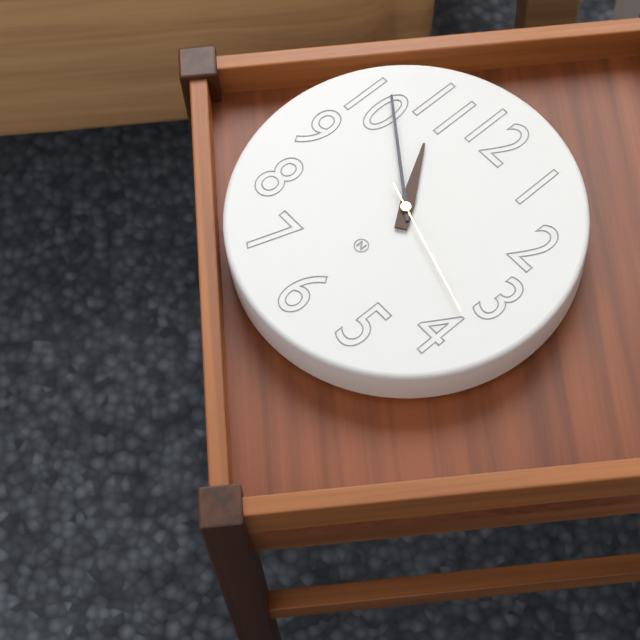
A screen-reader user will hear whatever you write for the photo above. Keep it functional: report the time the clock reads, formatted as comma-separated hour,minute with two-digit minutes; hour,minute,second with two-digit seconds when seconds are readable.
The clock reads 10,51,18
